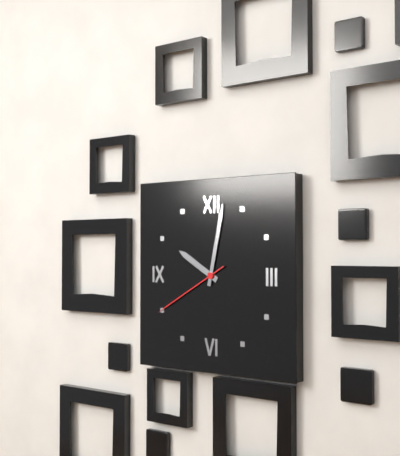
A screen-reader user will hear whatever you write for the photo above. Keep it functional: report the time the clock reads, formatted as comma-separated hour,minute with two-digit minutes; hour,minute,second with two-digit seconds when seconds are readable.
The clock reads 10,02,40
